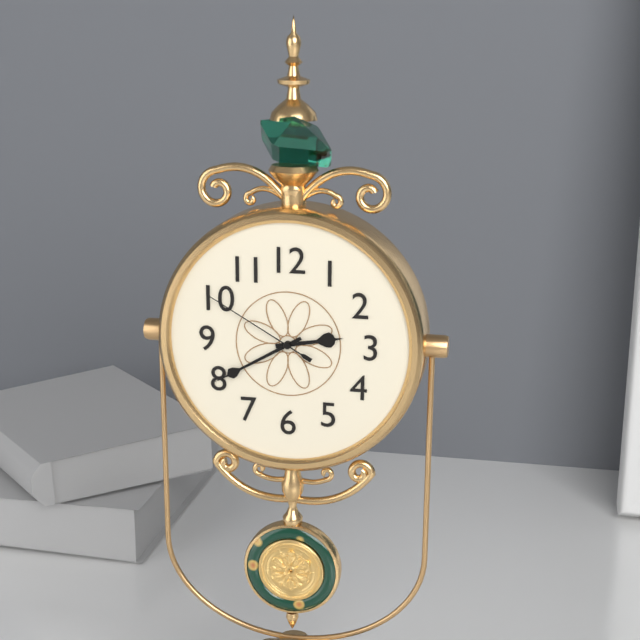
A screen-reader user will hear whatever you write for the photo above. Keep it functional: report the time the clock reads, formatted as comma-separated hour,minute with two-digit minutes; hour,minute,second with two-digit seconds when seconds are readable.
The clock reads 2,40,50
